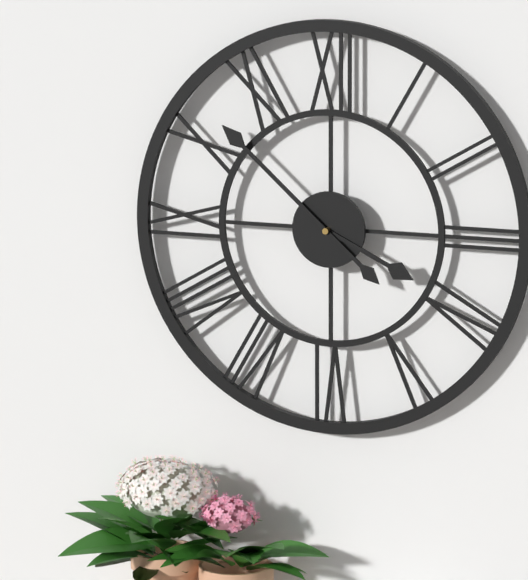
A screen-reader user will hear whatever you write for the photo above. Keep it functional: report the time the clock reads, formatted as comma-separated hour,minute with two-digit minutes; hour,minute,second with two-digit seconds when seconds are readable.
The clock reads 3,52
